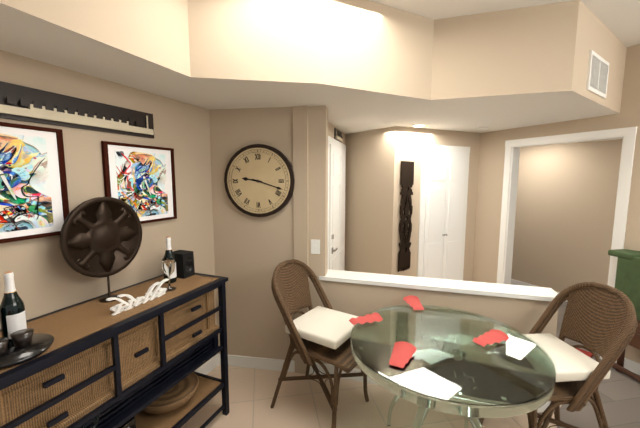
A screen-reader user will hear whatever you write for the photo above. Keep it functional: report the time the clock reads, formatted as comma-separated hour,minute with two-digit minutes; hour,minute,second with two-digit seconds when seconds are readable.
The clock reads 9,18
